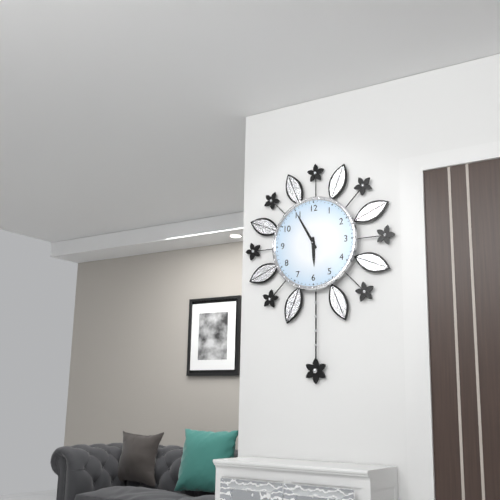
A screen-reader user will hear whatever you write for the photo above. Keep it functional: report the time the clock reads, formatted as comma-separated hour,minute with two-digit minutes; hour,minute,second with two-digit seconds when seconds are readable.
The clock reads 5,55
